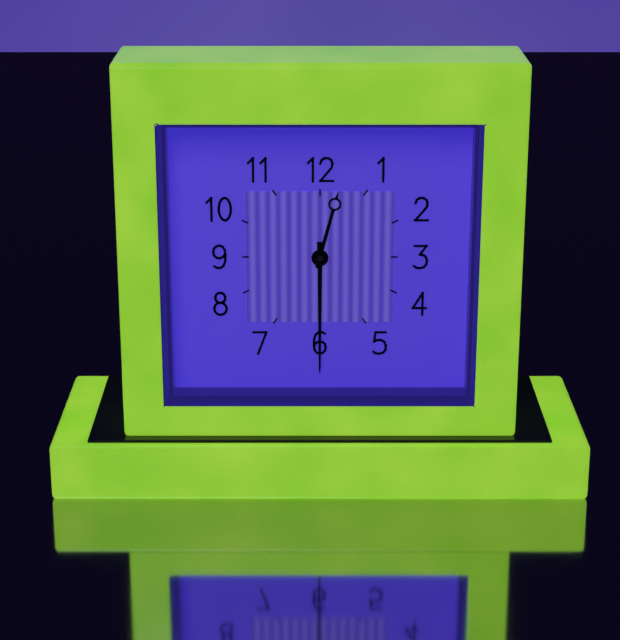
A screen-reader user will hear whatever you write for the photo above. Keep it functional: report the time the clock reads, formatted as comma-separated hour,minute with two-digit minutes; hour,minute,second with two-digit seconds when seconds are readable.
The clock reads 12,30
